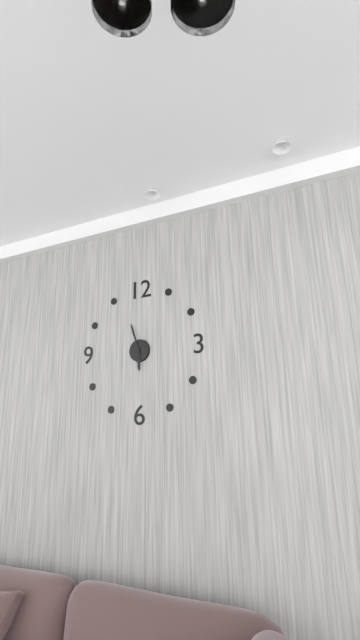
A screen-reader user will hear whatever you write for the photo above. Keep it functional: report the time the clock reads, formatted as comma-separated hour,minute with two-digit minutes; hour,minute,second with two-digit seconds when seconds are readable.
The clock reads 5,57
